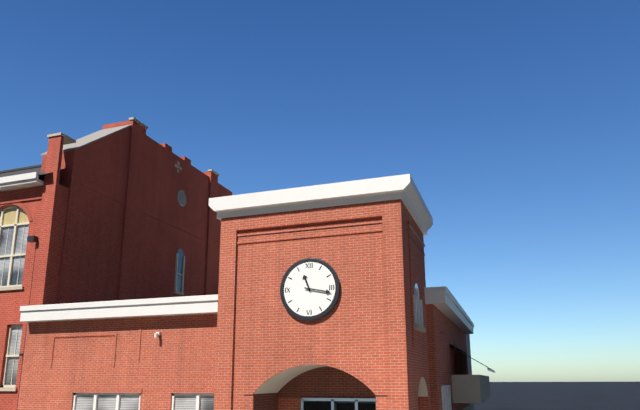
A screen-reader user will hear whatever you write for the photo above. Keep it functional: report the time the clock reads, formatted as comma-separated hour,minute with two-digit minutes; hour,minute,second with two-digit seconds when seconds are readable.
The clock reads 11,17
